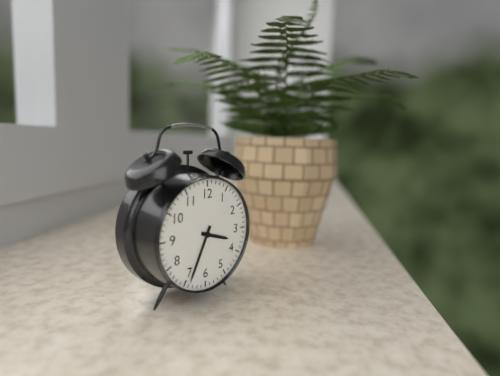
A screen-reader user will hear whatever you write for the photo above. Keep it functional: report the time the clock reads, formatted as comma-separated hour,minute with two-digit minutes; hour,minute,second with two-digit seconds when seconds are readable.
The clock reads 3,34
